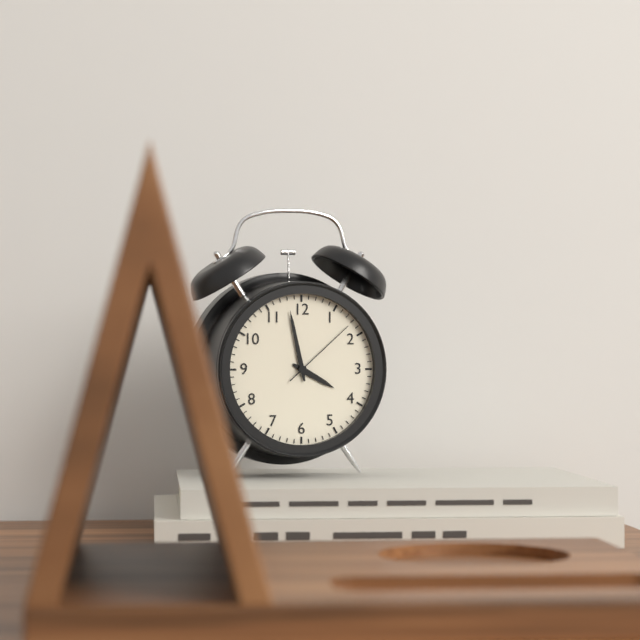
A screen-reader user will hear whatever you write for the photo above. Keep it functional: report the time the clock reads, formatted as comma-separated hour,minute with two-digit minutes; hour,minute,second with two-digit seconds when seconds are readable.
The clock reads 3,58,08
